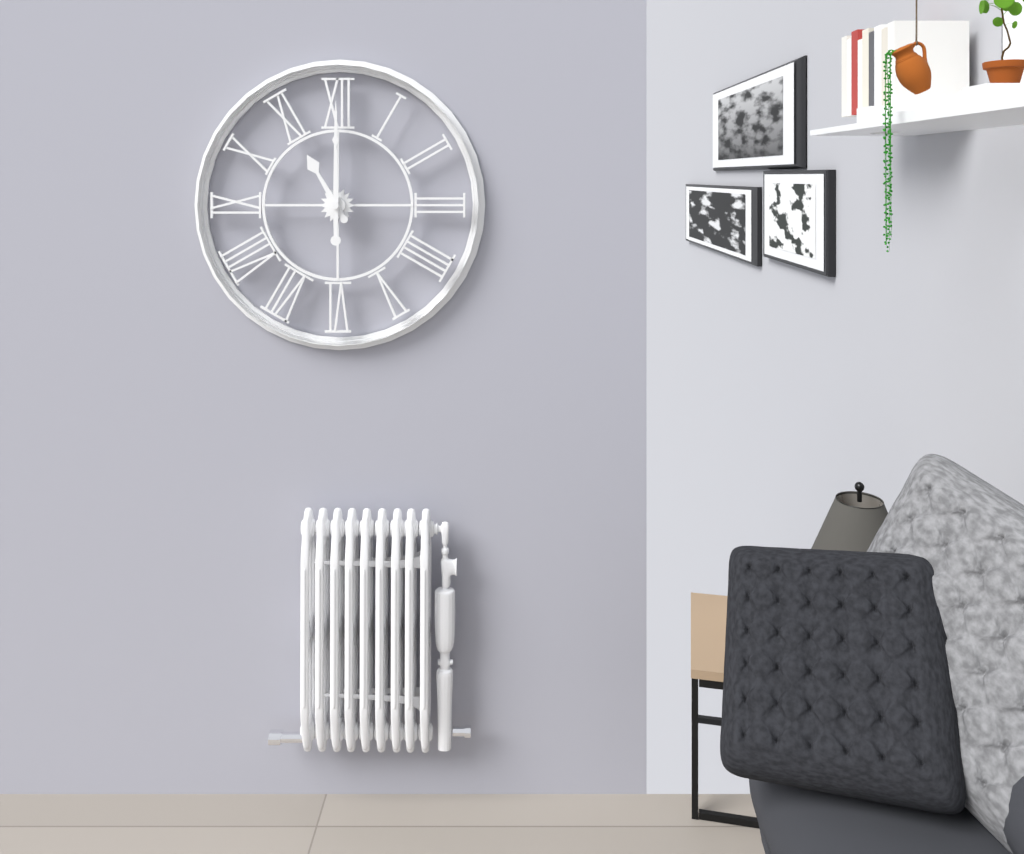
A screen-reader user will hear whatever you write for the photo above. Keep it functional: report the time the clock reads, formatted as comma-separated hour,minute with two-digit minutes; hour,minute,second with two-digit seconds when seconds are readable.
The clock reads 11,00
